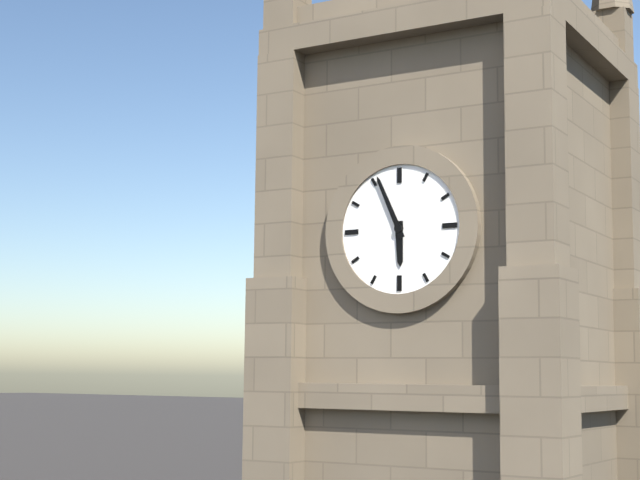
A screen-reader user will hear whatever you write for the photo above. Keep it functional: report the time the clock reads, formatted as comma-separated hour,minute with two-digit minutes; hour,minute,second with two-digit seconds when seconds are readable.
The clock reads 5,56
